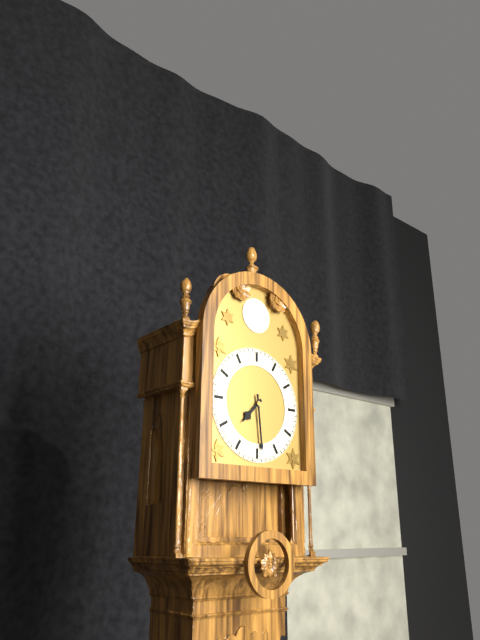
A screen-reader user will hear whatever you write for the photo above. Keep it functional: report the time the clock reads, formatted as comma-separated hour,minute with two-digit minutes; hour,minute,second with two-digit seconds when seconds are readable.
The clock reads 7,29
